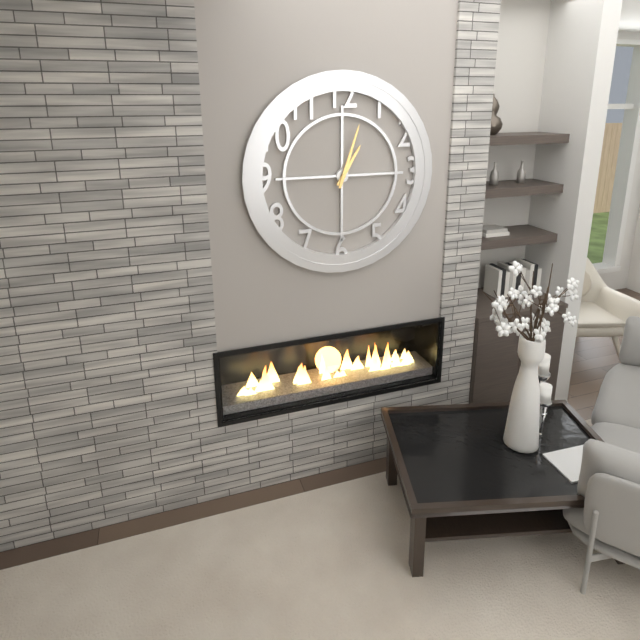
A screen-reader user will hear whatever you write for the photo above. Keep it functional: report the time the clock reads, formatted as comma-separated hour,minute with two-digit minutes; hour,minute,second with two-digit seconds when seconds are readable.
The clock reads 1,03
